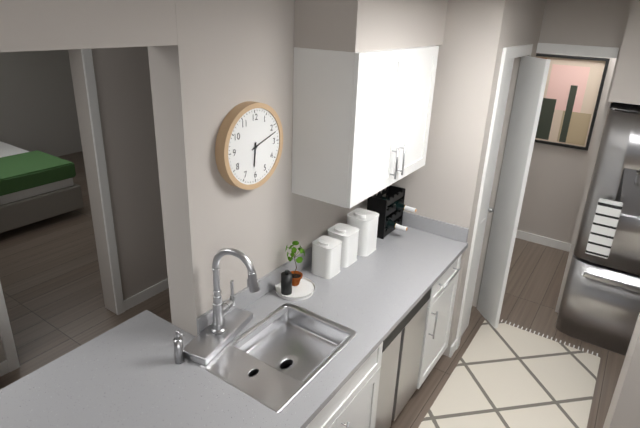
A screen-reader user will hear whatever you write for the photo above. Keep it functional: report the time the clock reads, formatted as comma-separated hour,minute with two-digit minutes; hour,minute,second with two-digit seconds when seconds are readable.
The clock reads 6,12
